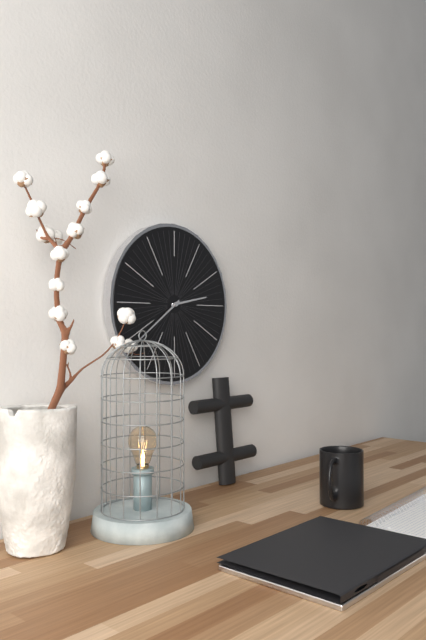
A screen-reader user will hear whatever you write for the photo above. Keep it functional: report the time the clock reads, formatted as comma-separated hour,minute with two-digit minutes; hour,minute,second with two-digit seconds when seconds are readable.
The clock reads 2,39
